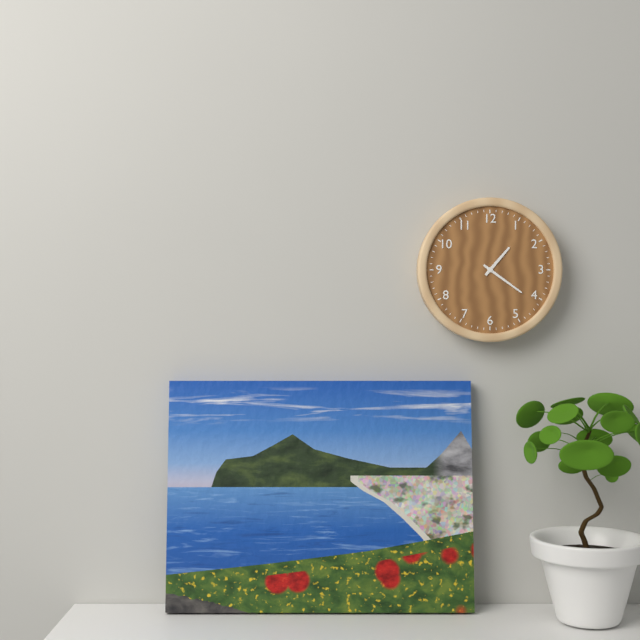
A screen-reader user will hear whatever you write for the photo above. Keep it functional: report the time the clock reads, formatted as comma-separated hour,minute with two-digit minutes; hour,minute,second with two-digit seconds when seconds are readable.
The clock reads 1,21
